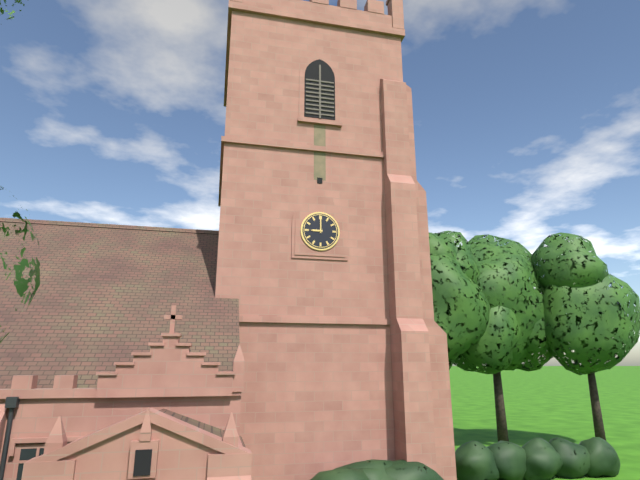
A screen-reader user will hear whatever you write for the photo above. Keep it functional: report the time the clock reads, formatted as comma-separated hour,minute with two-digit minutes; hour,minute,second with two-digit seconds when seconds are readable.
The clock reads 9,00
